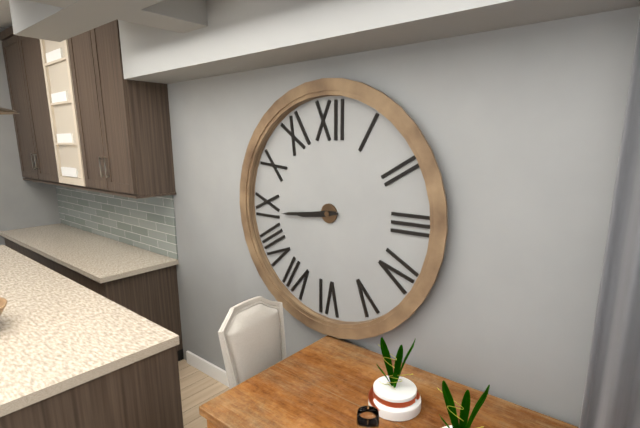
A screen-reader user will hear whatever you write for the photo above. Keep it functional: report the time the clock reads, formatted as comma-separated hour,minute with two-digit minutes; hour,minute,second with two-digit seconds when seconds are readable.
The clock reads 8,44
